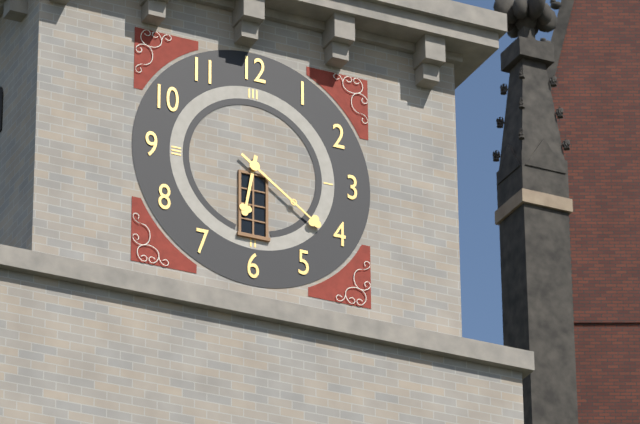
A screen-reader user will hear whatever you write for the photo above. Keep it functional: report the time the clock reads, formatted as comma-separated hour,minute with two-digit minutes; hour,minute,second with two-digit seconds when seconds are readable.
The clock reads 6,21
